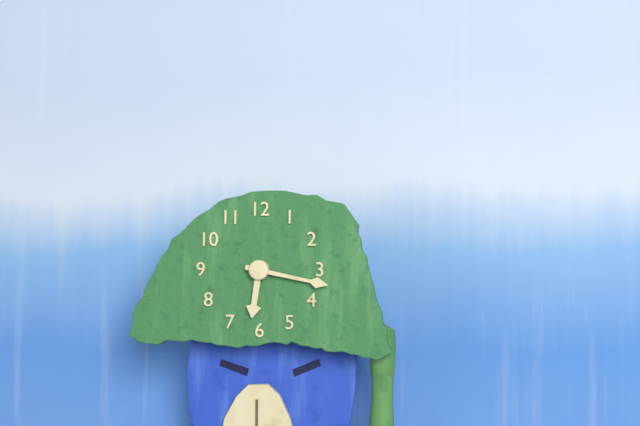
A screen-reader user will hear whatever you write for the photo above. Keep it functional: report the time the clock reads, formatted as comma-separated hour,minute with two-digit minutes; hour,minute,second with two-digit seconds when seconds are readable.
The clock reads 6,17
